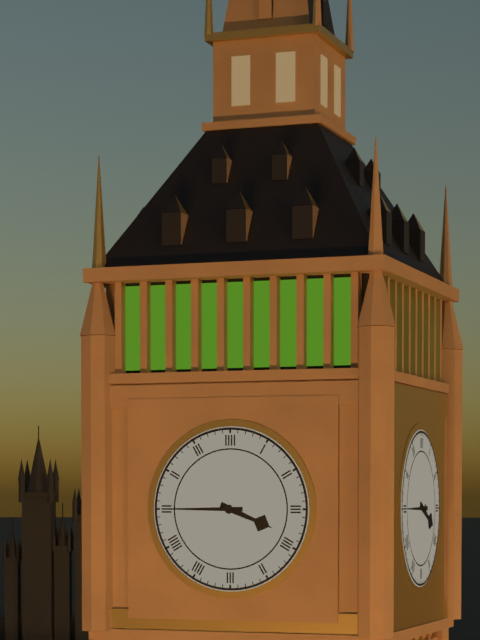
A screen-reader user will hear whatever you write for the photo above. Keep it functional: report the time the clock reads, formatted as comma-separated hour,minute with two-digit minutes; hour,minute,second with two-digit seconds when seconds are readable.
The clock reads 3,45
